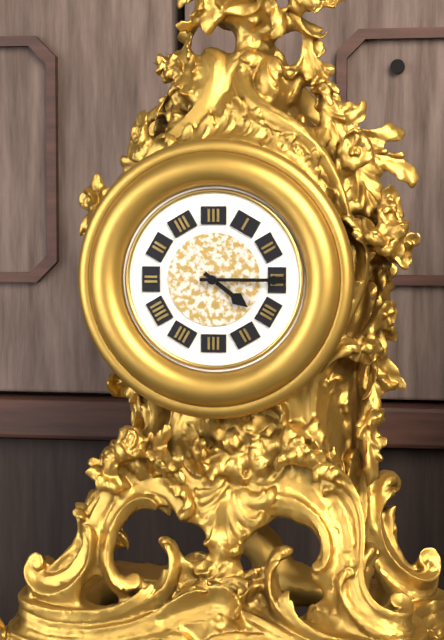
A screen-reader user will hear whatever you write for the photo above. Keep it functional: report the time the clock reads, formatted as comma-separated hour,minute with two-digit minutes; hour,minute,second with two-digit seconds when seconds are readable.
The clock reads 4,15
